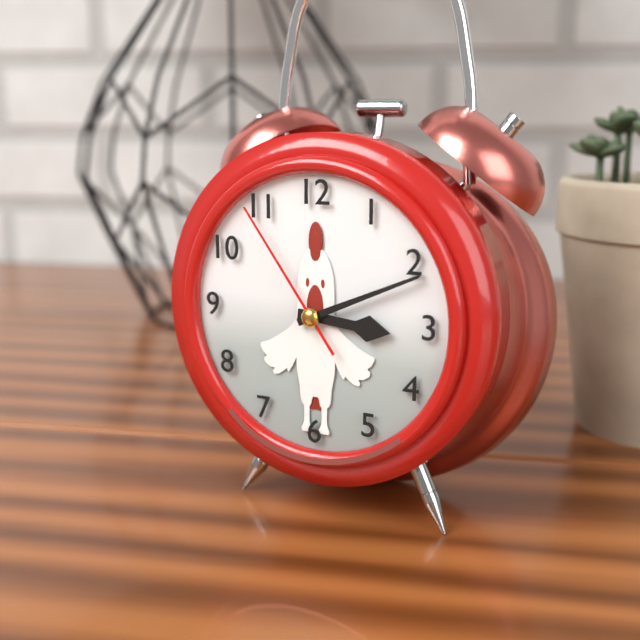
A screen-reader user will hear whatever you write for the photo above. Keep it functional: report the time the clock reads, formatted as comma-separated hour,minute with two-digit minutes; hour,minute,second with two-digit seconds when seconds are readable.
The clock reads 3,11,54
